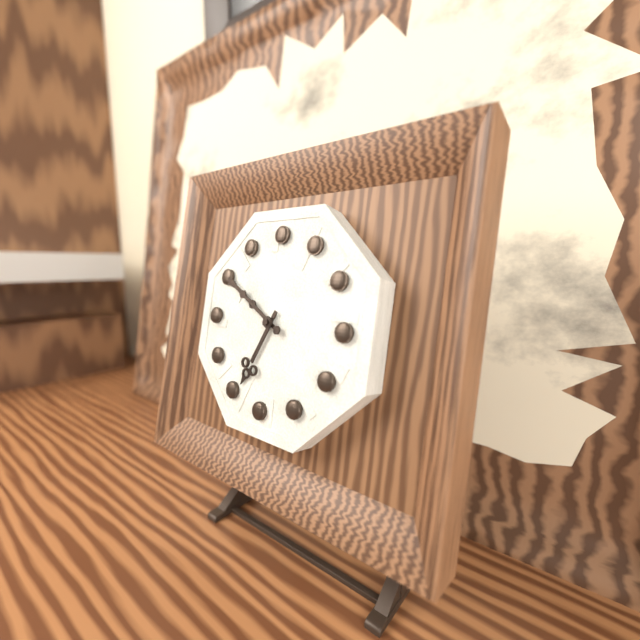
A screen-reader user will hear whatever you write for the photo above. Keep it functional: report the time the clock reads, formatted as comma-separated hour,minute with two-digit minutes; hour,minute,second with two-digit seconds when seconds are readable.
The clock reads 6,50
